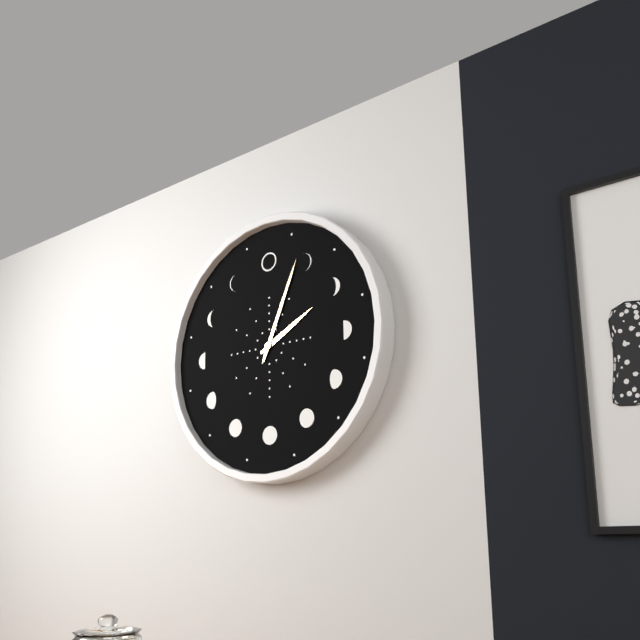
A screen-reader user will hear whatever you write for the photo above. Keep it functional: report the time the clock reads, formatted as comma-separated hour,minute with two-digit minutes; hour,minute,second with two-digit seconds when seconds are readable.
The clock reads 2,04
